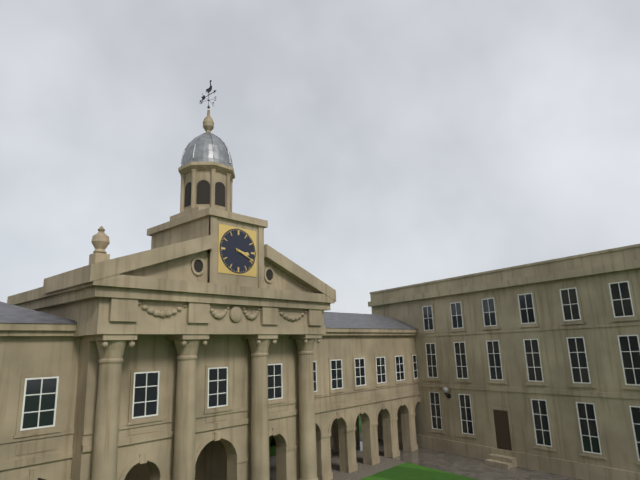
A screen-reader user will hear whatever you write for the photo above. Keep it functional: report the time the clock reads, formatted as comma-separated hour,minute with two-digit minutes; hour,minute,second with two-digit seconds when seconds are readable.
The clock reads 3,19
